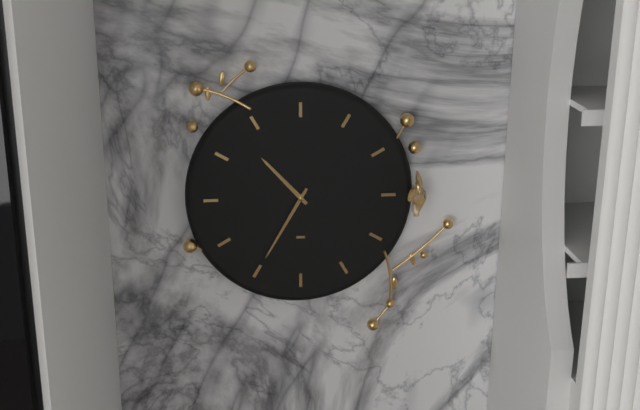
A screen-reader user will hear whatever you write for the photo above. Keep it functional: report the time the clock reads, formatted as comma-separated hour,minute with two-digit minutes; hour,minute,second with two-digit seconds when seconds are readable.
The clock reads 10,35
